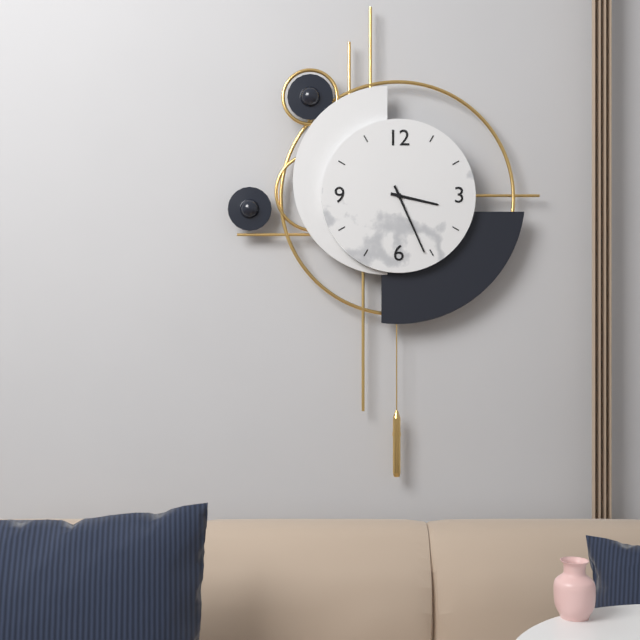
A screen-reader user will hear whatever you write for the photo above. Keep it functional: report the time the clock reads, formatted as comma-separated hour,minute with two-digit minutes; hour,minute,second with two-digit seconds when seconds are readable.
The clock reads 3,26
